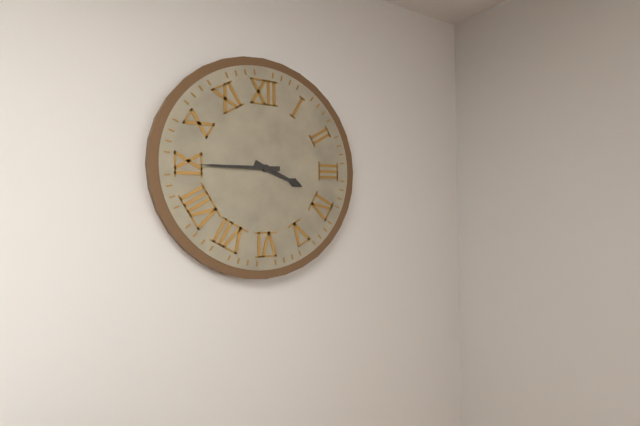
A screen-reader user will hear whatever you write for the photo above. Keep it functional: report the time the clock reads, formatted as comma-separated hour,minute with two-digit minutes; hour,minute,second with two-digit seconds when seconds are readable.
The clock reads 3,45
